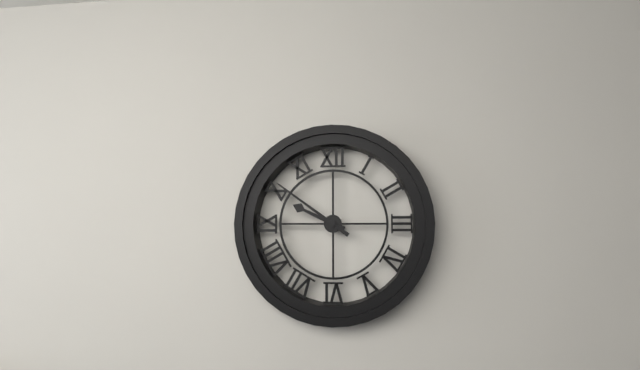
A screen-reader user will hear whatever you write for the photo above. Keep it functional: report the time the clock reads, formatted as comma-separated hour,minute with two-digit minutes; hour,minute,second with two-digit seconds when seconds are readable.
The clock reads 9,51
